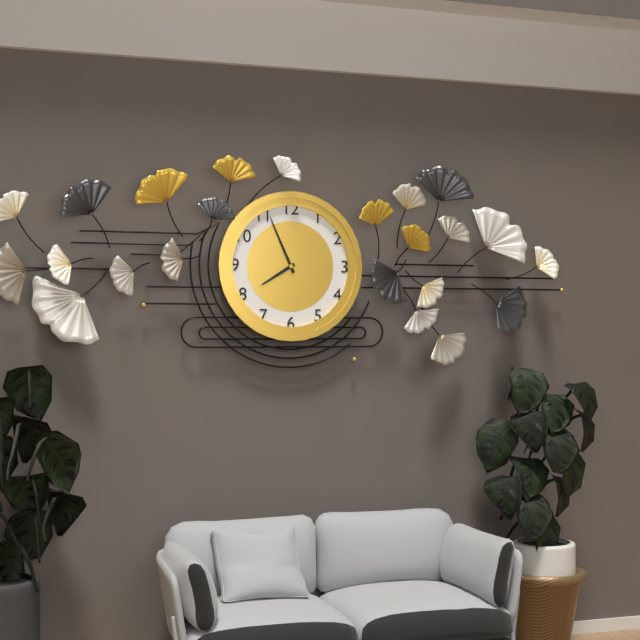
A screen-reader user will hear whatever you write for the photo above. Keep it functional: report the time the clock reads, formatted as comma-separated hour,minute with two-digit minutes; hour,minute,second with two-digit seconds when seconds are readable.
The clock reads 7,56
